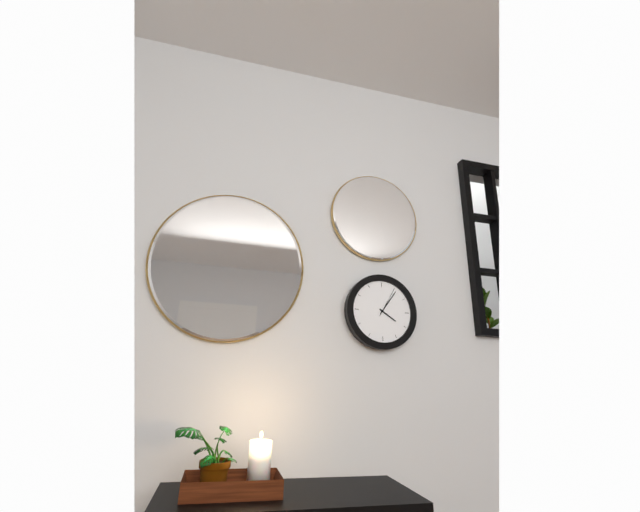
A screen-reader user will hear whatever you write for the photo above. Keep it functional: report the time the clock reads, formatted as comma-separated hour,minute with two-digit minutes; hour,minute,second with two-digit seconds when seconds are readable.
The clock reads 4,06
